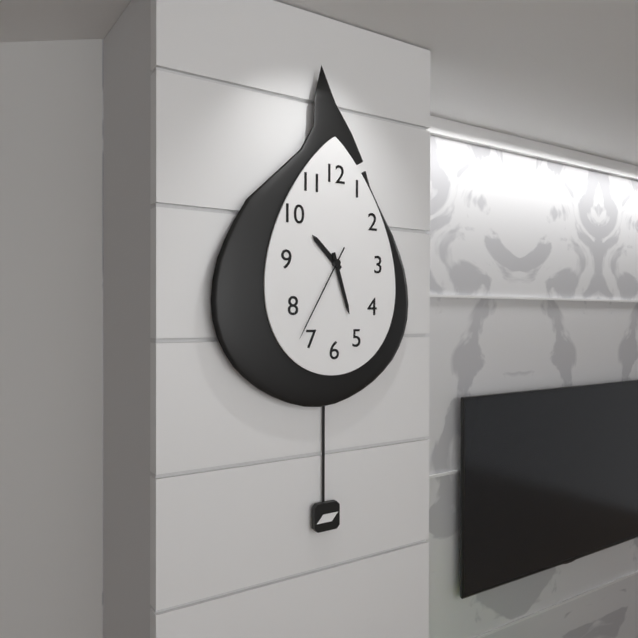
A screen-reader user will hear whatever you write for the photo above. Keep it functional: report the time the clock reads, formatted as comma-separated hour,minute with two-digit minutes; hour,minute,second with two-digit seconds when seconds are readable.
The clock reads 10,27,35
